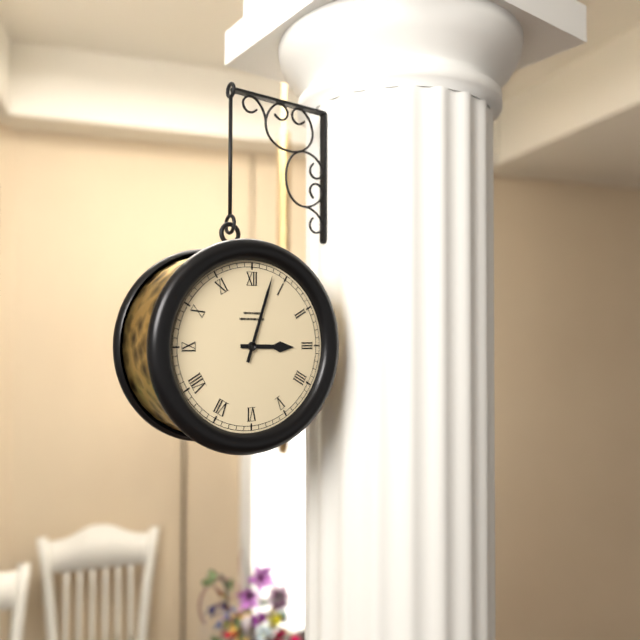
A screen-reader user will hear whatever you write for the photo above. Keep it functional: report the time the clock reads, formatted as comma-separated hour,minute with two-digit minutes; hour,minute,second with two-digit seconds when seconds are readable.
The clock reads 3,03
